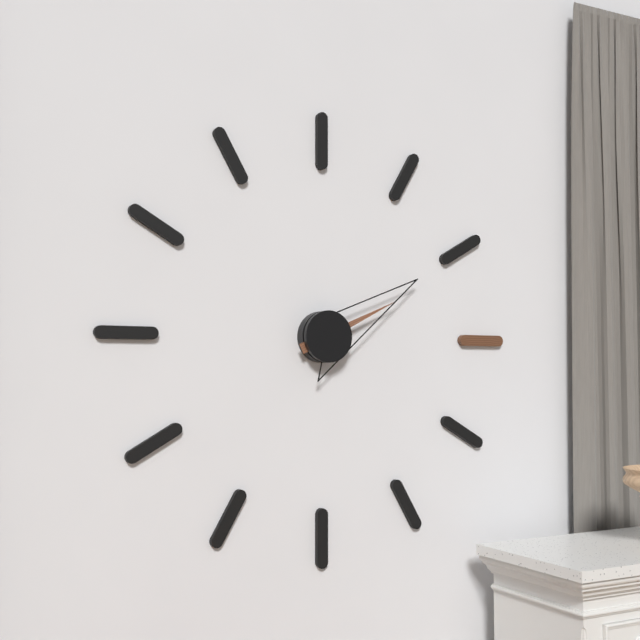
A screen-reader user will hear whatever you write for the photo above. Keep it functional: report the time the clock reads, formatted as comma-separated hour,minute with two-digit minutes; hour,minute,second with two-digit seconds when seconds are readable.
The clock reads 2,10
